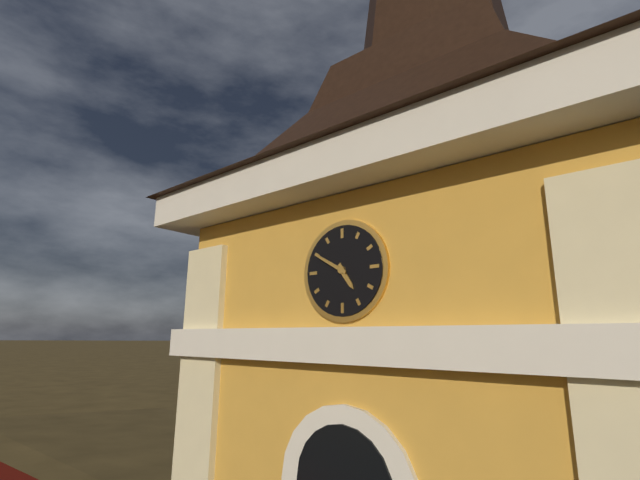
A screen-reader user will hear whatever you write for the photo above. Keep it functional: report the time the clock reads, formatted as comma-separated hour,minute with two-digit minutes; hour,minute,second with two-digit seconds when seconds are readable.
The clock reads 4,50
